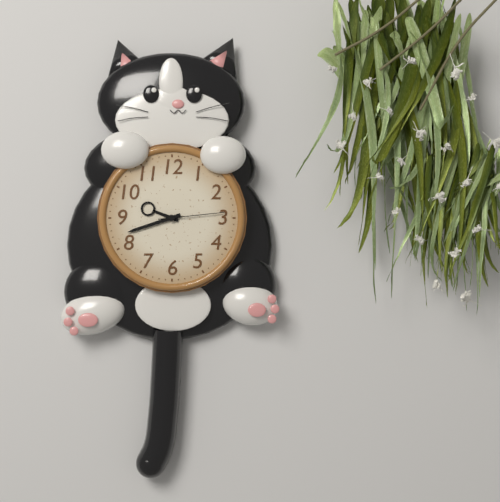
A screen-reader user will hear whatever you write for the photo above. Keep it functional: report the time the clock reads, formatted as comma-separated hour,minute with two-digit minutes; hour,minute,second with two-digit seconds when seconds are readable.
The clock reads 9,42,14
